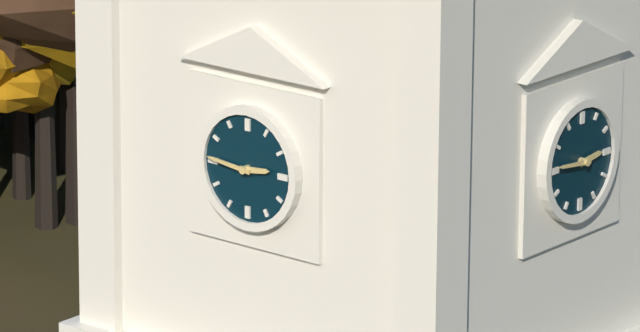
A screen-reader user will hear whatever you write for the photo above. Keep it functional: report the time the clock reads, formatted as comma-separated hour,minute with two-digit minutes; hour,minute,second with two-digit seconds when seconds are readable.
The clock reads 2,46
